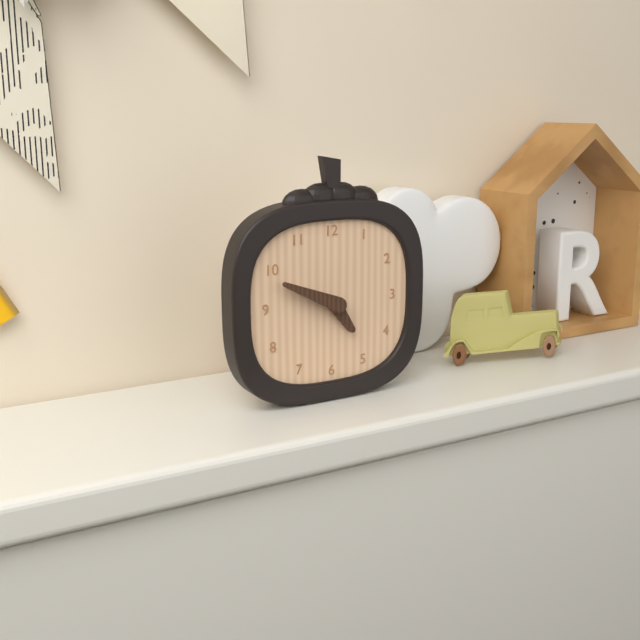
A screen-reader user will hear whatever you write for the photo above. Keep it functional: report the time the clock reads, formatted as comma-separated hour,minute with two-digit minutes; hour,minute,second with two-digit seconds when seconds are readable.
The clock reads 4,49
